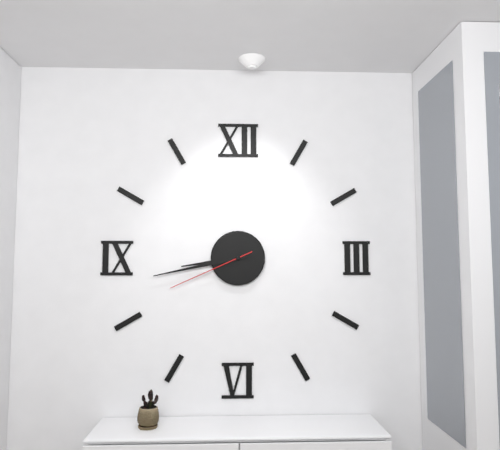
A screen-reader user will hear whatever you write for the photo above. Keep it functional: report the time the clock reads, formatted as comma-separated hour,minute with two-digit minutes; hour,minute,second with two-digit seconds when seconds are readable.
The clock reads 8,43,41
